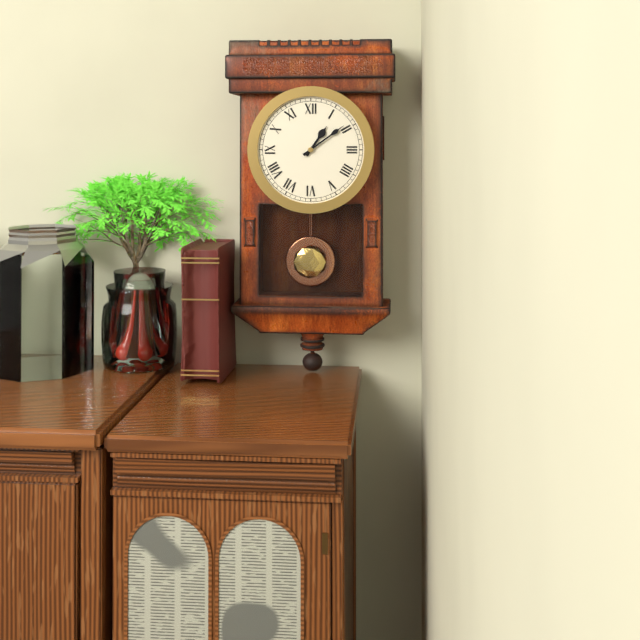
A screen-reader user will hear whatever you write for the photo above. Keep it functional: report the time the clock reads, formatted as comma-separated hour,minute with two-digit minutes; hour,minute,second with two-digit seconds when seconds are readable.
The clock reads 1,09
